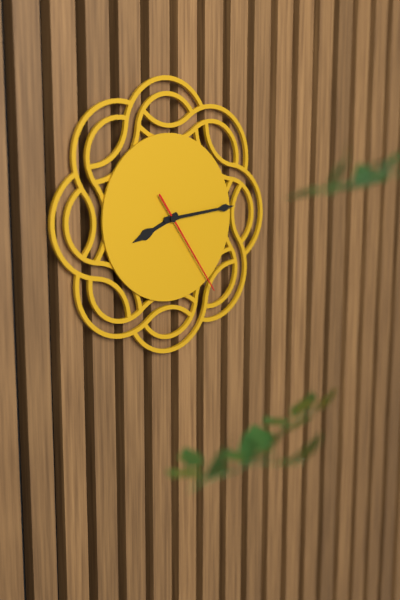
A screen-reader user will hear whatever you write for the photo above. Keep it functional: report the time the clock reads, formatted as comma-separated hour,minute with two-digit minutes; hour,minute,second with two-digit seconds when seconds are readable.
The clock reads 8,14,24
